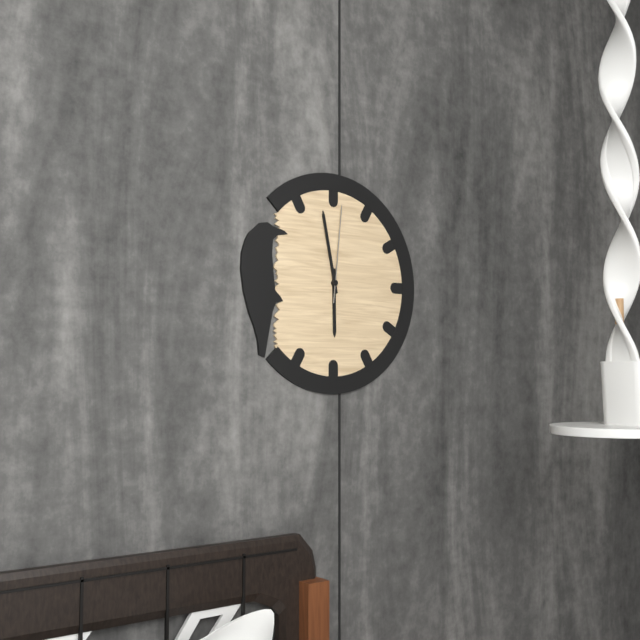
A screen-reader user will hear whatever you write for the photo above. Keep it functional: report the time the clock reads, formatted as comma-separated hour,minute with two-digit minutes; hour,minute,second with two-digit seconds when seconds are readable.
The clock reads 5,58,01
